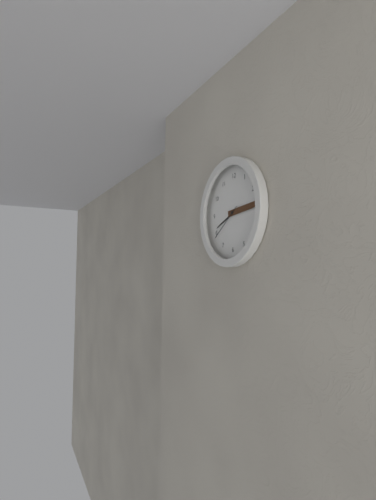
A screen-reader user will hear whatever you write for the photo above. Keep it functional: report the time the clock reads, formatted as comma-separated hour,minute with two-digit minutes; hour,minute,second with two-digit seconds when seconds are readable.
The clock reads 8,14
